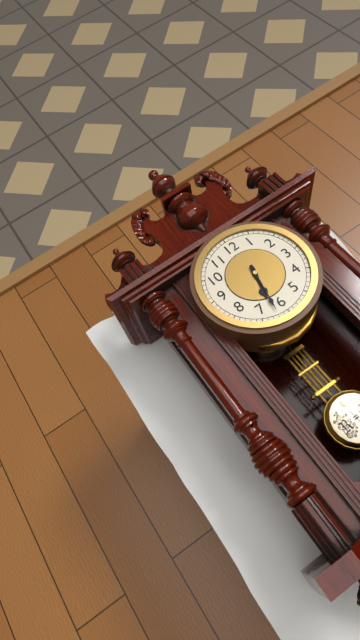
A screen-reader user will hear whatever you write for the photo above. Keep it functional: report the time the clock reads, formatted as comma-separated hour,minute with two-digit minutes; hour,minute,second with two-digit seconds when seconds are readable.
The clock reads 6,32
